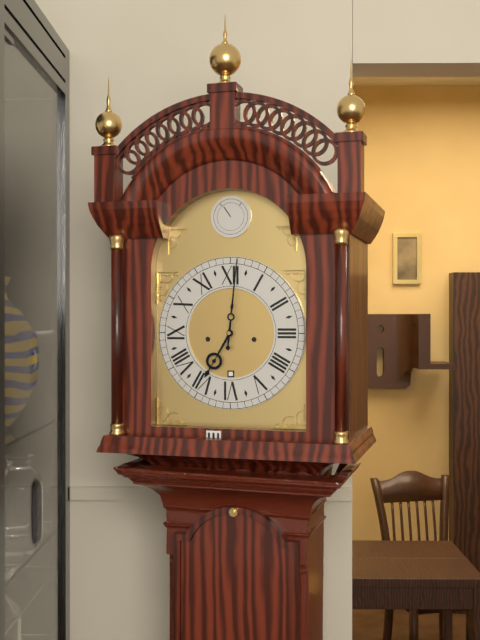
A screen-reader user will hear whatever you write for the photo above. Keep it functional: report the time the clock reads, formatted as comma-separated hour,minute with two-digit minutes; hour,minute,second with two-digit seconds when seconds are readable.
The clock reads 7,01
